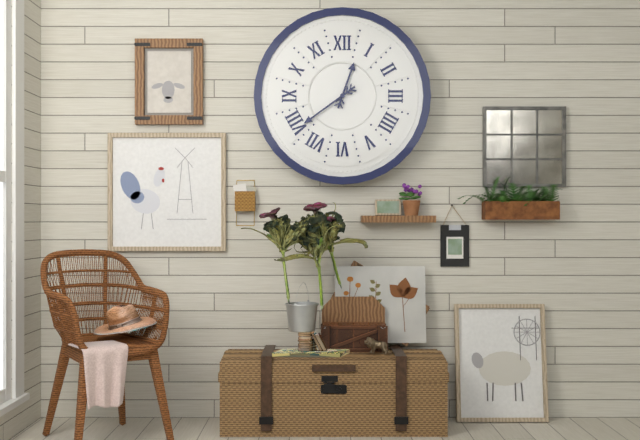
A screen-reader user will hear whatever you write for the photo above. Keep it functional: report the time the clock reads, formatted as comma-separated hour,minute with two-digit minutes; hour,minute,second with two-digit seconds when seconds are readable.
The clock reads 12,39
